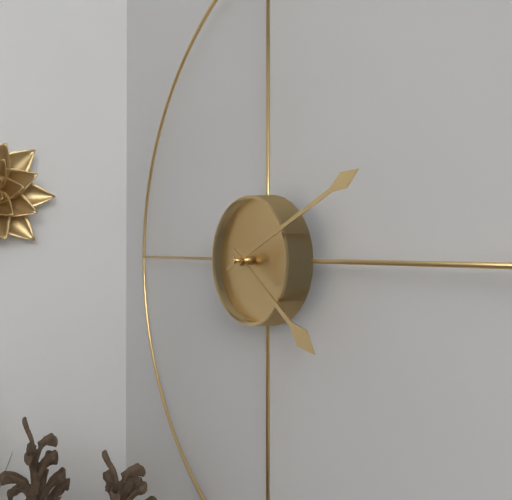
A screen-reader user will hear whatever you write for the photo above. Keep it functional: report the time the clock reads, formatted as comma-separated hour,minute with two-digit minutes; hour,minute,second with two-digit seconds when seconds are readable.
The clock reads 4,11
